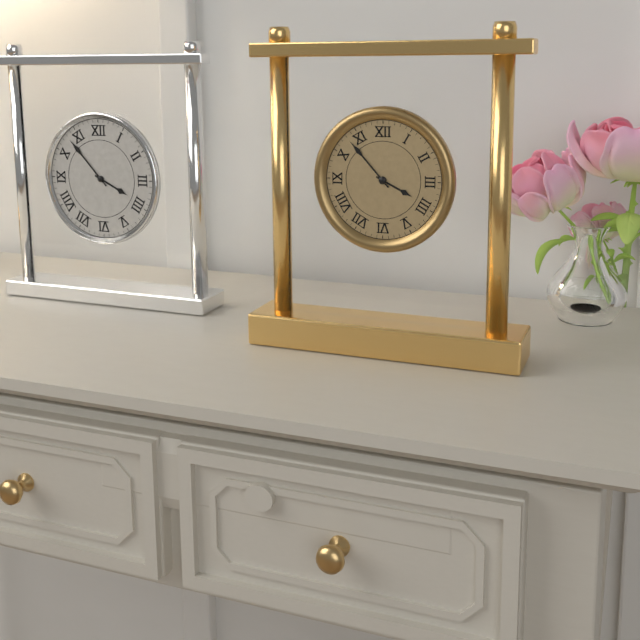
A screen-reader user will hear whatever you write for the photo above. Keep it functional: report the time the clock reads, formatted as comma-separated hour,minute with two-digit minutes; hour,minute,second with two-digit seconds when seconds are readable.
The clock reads 3,53
